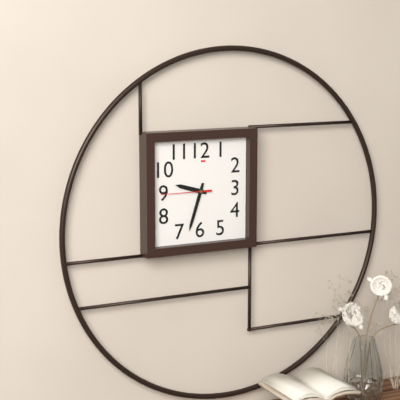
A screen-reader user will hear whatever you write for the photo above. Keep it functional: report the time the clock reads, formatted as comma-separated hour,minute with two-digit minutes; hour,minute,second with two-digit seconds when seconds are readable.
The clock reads 9,33
